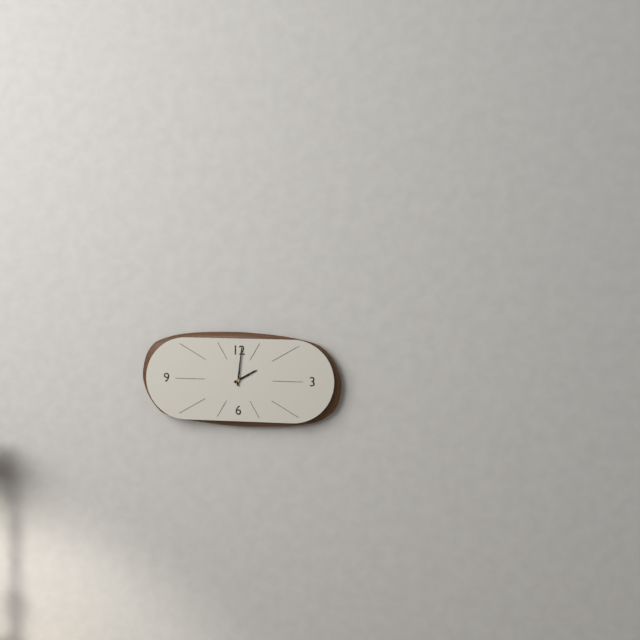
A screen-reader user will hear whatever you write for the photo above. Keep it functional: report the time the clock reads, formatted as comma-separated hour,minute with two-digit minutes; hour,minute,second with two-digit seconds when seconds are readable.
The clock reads 2,01
